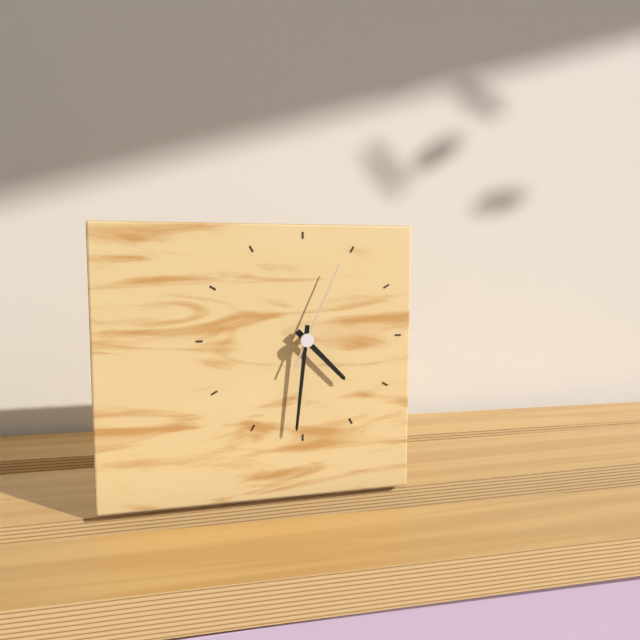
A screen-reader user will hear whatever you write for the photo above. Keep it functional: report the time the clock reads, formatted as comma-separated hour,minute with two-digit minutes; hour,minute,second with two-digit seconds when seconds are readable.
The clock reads 4,31,04
